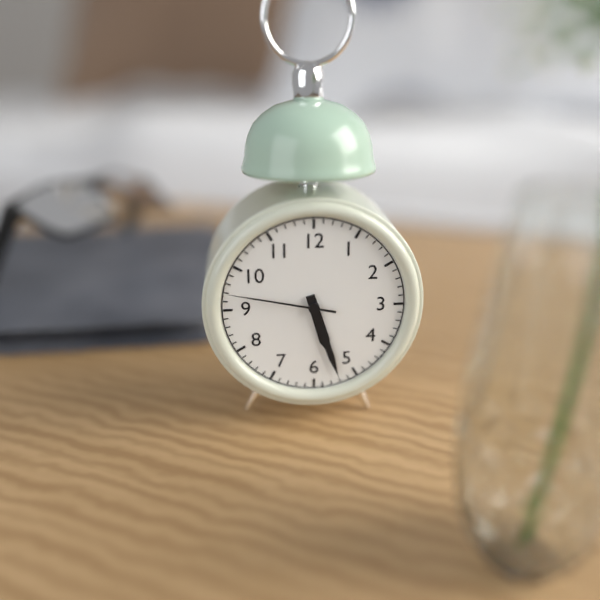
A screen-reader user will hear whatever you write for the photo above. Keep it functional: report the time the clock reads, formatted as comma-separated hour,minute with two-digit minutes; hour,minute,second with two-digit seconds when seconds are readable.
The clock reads 5,27,47
